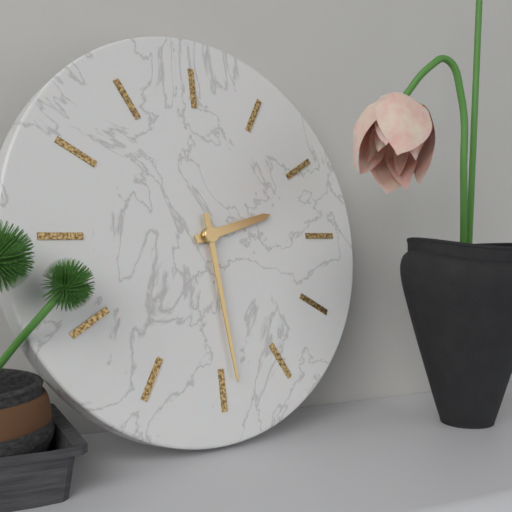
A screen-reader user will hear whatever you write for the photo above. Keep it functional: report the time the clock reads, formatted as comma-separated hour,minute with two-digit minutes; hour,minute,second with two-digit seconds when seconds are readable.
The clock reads 2,29
